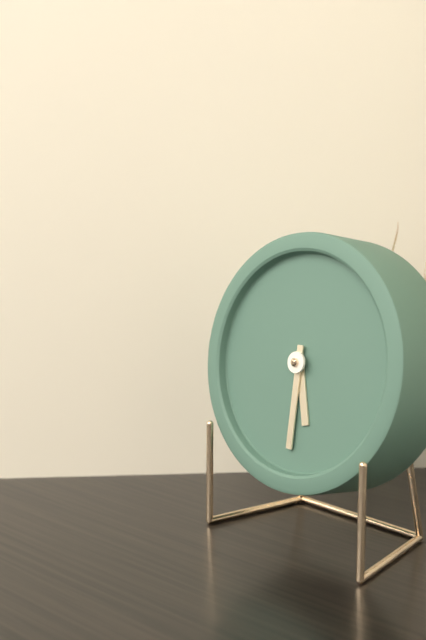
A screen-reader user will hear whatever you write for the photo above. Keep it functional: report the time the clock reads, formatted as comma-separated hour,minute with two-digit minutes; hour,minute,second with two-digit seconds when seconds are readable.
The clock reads 5,30
